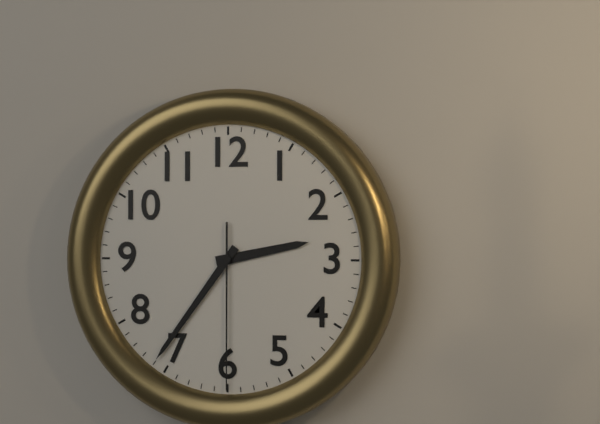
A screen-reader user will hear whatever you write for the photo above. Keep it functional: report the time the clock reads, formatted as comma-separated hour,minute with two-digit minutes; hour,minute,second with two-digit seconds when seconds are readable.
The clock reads 2,36,30
